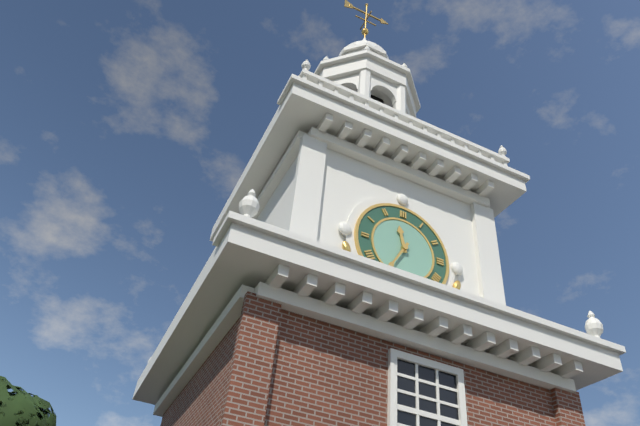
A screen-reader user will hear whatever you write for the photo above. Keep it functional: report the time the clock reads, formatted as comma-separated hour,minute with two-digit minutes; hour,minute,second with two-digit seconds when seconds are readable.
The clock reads 11,35
